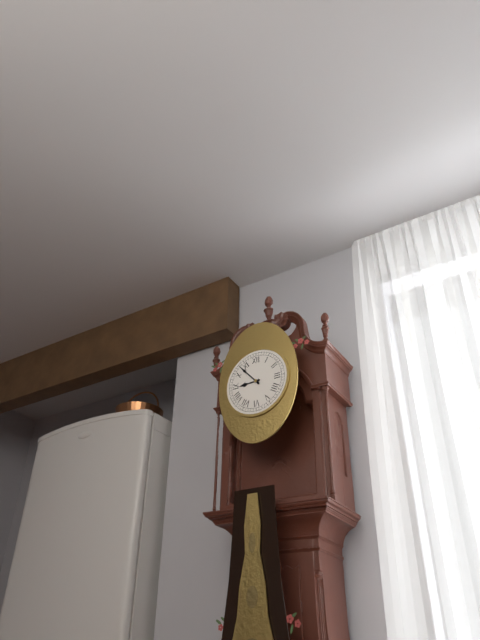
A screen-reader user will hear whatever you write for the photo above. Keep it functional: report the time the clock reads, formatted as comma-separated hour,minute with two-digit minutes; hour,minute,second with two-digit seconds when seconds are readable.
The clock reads 8,53
